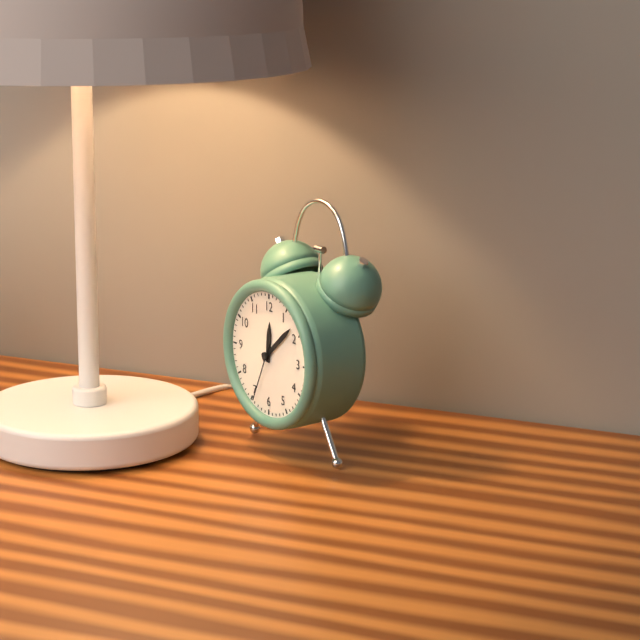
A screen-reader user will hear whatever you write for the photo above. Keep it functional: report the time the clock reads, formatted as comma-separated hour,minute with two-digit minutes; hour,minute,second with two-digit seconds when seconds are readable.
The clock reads 12,08,34
